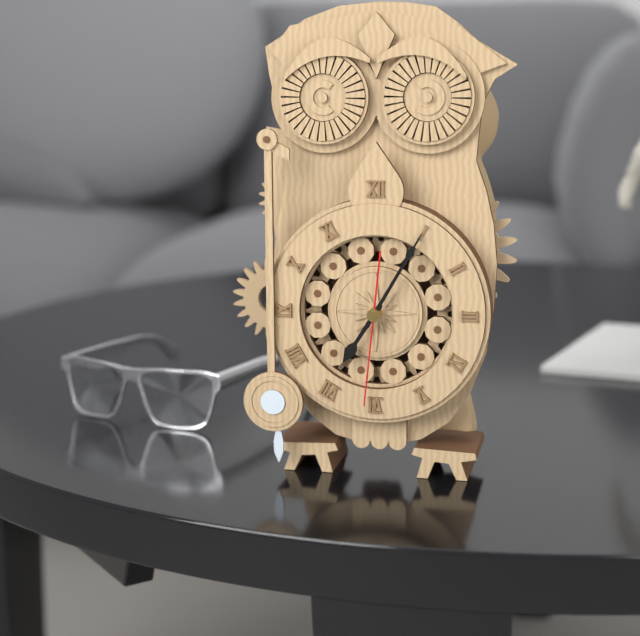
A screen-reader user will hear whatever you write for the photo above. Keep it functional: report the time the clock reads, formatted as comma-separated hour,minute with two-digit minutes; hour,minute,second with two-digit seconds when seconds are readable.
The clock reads 7,05,31
